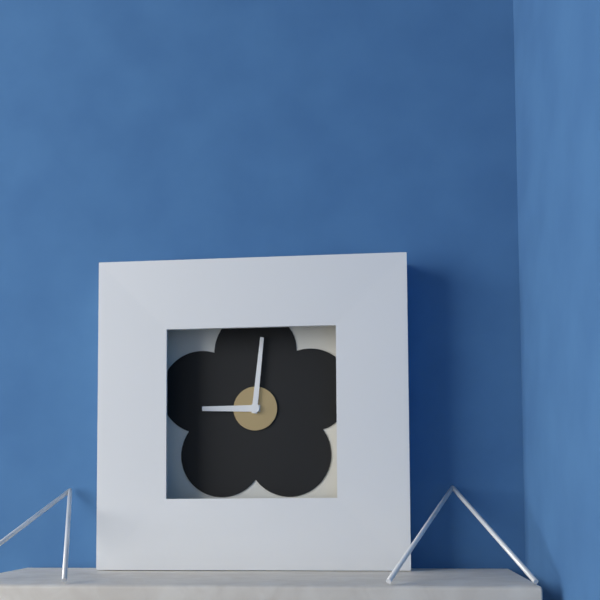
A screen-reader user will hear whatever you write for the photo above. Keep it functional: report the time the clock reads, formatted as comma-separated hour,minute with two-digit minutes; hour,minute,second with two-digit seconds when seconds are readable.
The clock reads 9,01
